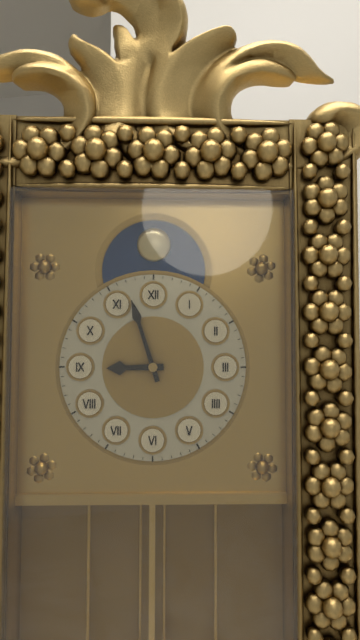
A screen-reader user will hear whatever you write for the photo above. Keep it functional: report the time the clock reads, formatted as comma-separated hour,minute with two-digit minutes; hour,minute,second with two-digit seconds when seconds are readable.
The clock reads 8,57
